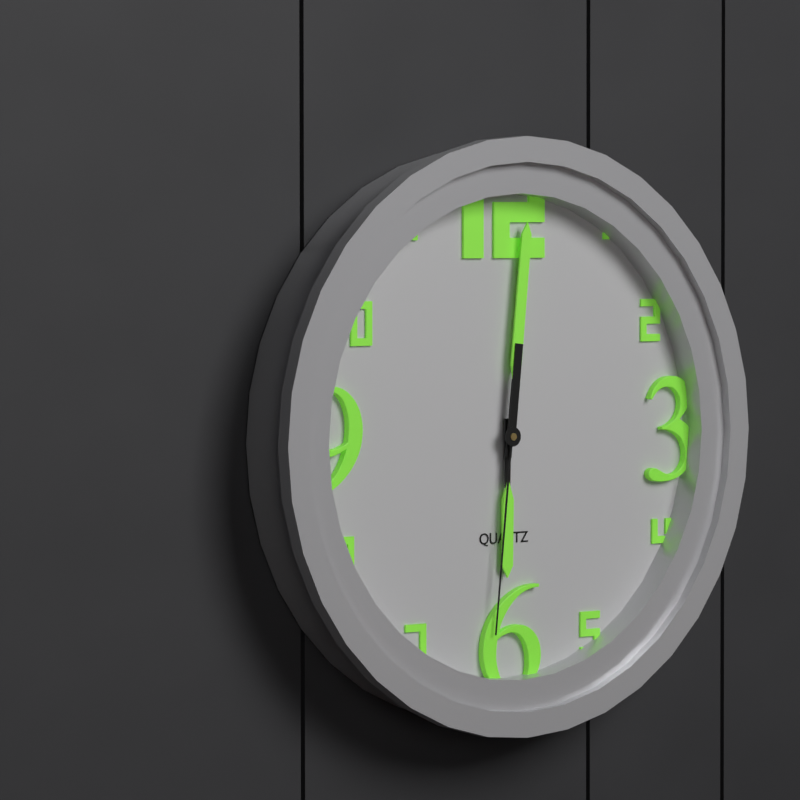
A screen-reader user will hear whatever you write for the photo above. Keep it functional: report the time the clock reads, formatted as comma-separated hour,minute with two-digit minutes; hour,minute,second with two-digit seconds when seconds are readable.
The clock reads 6,01,31
